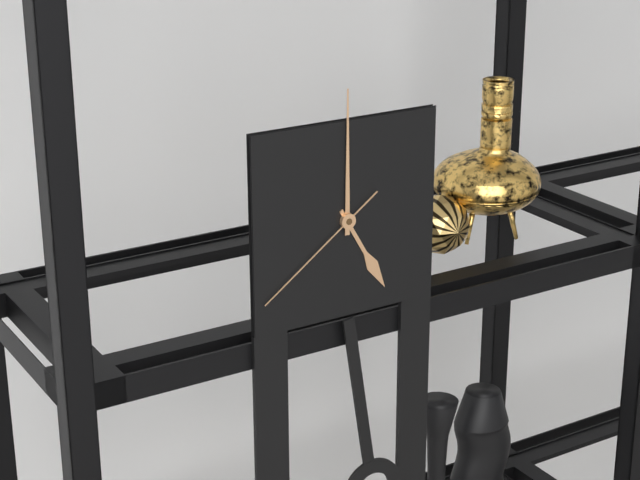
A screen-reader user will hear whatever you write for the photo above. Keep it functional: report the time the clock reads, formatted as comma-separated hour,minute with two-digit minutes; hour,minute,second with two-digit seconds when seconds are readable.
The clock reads 5,00,39
